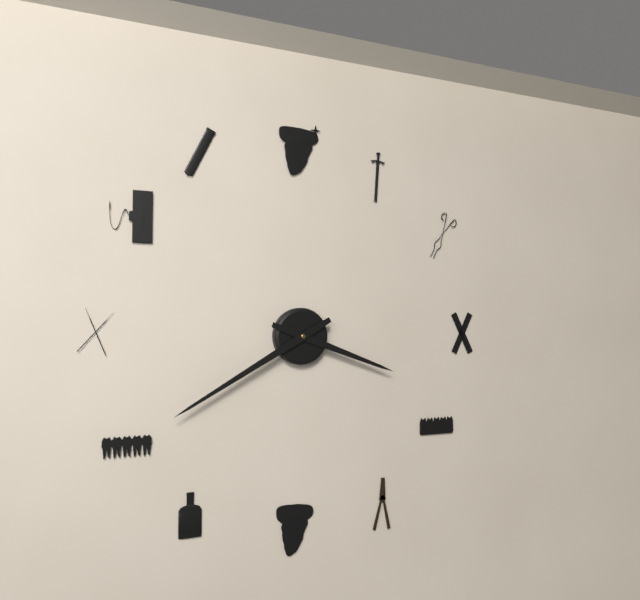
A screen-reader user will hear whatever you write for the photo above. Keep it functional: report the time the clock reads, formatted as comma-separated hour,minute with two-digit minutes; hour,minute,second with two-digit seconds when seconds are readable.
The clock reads 3,40
